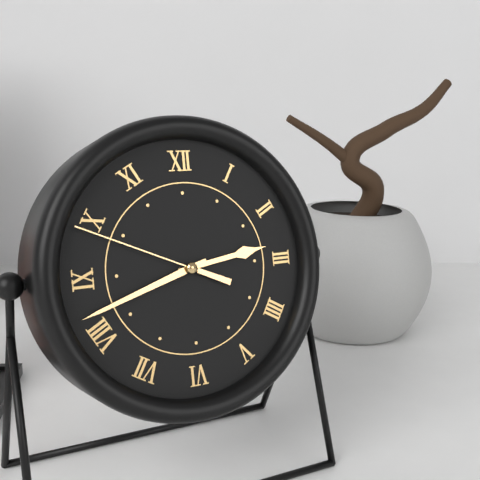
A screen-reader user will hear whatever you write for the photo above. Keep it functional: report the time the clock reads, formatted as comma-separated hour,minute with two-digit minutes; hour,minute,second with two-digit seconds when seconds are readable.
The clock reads 2,42,49
